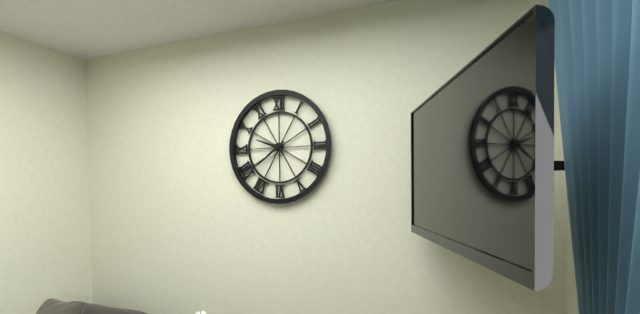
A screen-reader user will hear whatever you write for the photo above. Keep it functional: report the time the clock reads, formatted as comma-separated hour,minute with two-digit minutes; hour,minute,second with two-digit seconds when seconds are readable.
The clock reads 9,39
